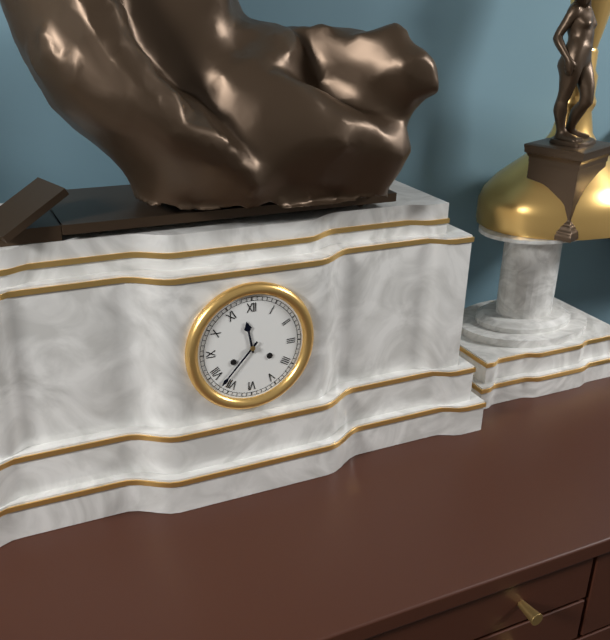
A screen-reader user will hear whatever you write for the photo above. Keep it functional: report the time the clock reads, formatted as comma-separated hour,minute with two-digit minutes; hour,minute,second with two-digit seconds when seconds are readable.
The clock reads 11,37
